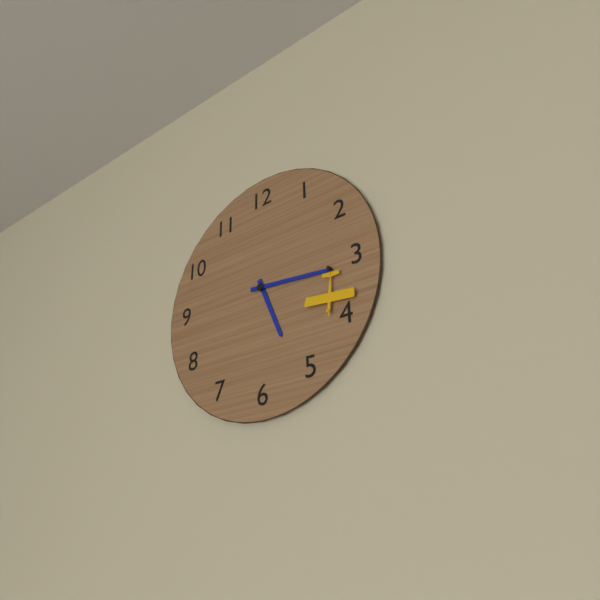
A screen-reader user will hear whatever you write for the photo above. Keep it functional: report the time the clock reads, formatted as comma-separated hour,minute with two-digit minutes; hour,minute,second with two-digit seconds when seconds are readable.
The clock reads 5,16
